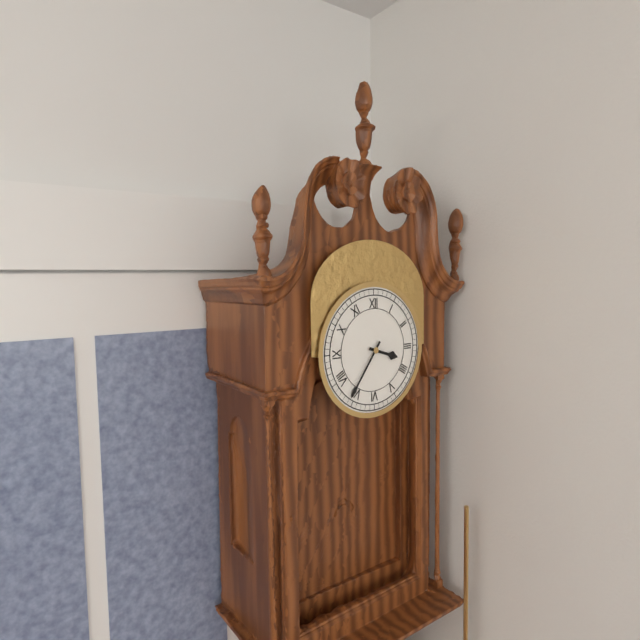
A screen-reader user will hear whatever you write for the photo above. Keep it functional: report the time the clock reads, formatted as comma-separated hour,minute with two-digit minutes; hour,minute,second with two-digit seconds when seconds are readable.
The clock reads 3,36
